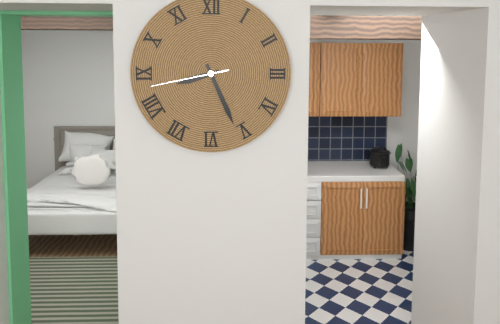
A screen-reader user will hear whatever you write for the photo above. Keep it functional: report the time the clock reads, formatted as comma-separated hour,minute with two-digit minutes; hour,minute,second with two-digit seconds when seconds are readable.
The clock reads 8,26,43
